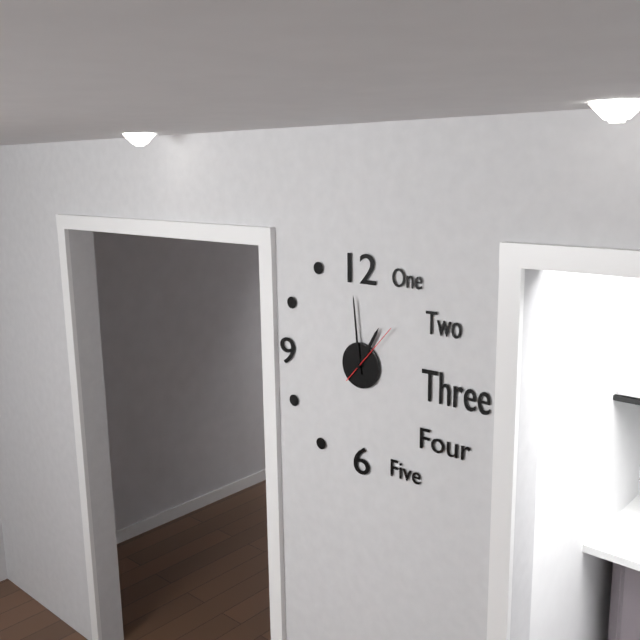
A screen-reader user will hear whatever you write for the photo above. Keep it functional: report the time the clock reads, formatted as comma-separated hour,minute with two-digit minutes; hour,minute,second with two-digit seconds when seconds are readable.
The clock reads 12,59,07
